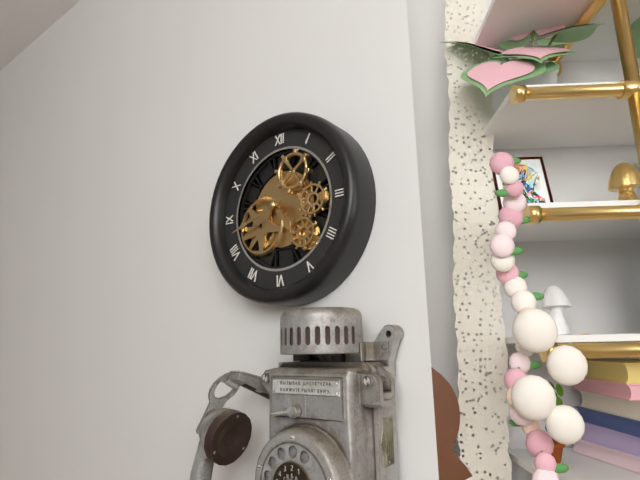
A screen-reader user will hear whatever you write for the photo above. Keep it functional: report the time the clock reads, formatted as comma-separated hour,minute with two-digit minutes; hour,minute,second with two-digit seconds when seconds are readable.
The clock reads 4,42
